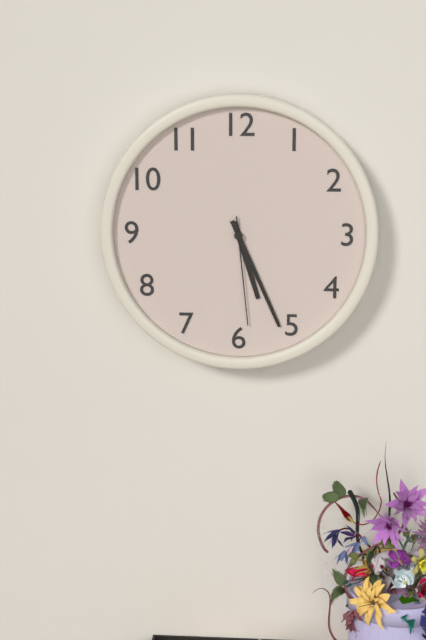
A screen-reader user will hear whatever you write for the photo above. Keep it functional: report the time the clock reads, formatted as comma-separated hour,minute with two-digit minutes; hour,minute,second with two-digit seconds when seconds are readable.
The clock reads 5,26,29
